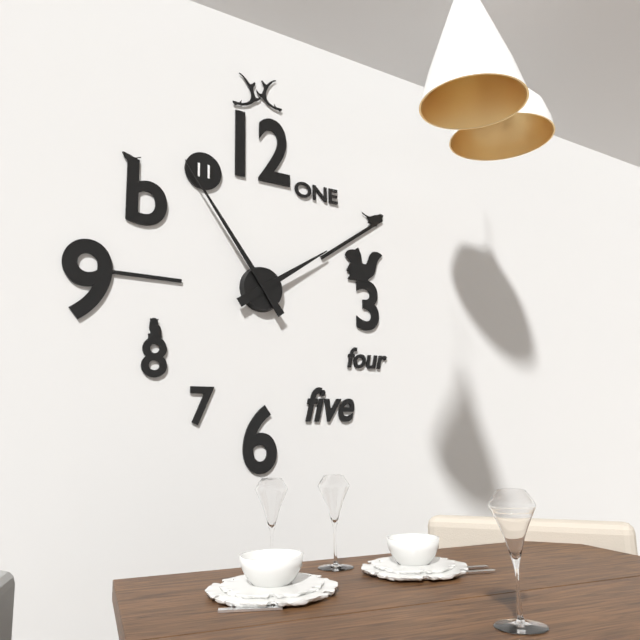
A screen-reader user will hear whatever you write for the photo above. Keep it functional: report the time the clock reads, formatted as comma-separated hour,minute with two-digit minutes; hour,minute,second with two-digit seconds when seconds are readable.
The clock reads 1,54
